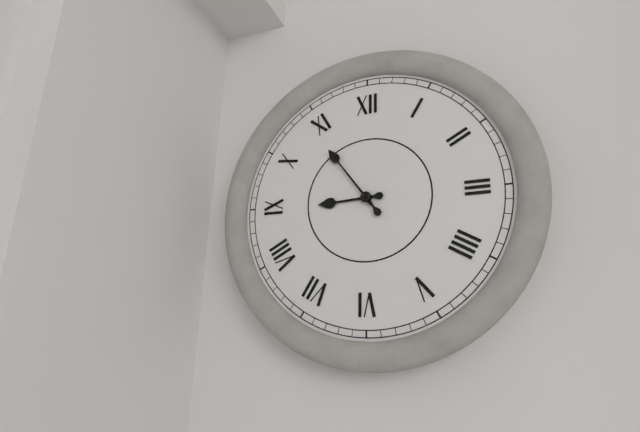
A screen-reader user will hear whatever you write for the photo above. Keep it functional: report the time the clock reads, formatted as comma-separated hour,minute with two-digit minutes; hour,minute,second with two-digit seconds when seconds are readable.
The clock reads 8,54
